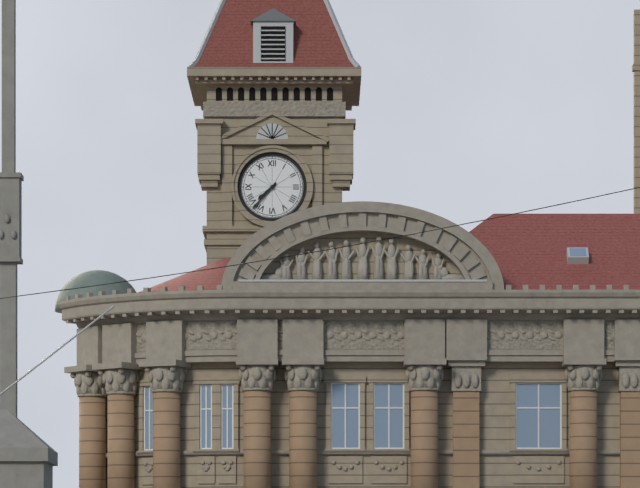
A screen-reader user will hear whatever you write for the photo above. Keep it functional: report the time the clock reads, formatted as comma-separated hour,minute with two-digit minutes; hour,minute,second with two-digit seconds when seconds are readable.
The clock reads 7,37
